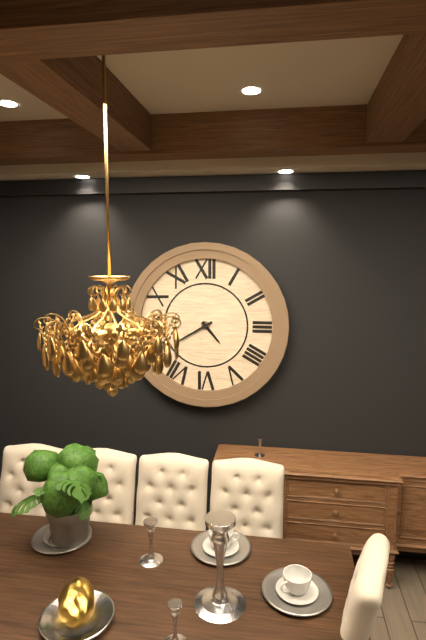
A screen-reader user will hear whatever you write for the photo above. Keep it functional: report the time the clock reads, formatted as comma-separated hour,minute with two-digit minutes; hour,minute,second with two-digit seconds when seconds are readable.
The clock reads 4,40
